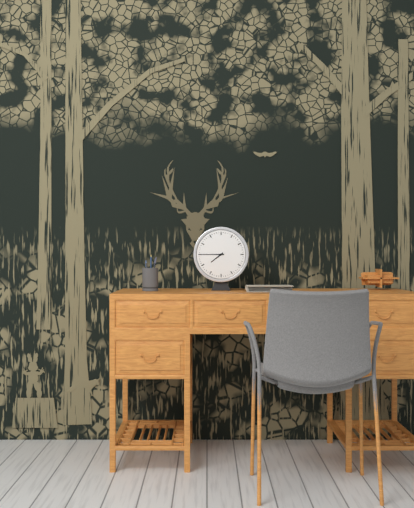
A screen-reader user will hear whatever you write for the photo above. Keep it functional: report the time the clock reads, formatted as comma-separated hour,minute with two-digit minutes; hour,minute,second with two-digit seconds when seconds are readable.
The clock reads 7,45
